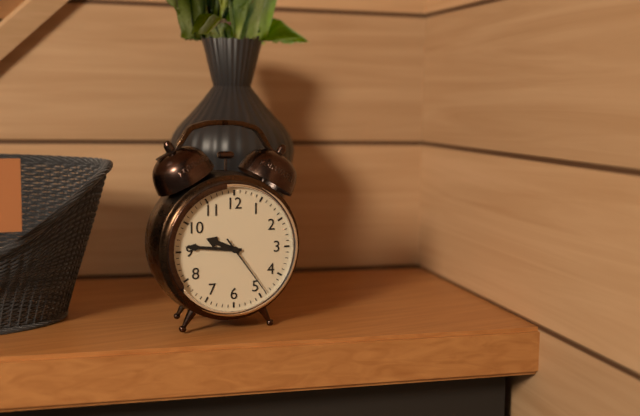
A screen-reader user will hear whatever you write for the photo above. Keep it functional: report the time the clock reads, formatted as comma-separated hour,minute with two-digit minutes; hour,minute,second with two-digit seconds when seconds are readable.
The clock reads 9,46,24
